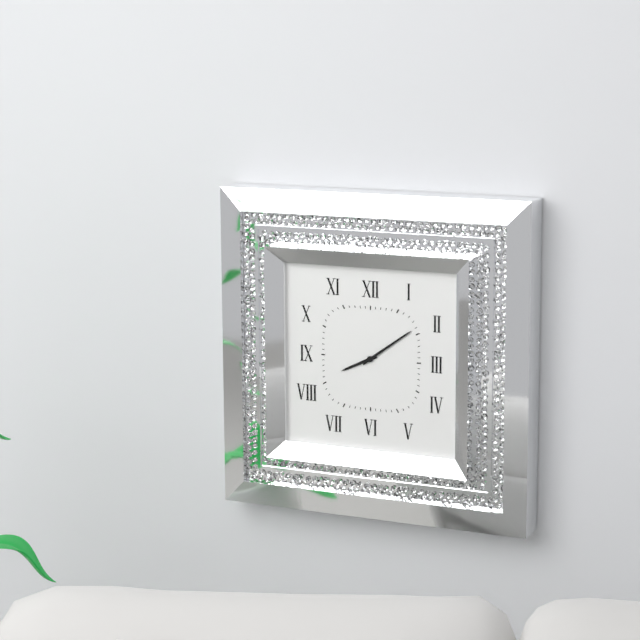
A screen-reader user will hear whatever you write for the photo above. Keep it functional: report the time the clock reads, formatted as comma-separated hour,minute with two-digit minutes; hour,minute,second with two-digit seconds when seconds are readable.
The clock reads 8,09
